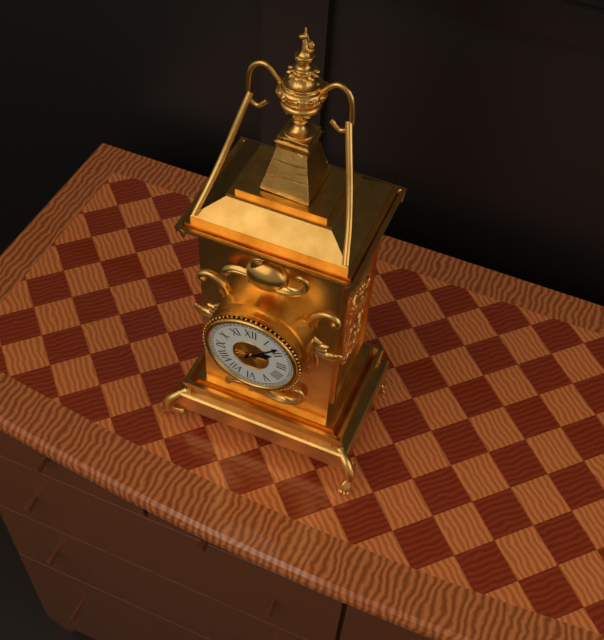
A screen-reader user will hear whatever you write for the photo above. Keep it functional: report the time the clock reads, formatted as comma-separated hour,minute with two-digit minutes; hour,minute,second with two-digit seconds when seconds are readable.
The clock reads 2,08
